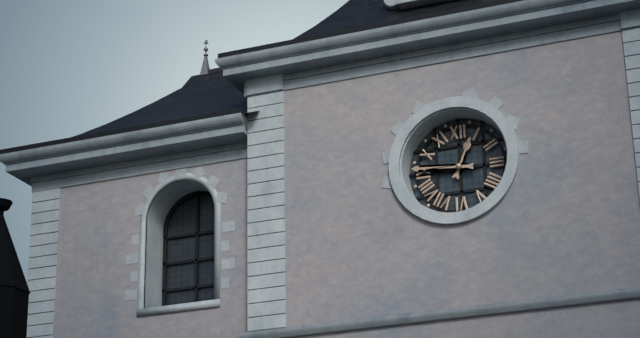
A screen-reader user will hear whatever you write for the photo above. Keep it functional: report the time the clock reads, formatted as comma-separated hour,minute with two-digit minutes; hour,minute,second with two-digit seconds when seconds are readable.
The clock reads 12,46
